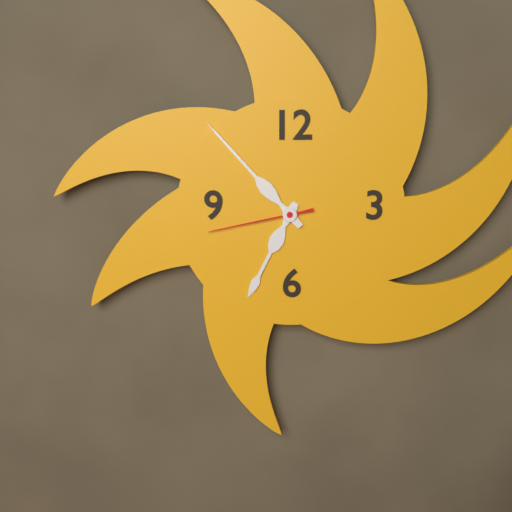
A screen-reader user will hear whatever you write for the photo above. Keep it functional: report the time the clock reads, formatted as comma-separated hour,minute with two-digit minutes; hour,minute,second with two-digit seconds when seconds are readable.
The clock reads 6,53,43
